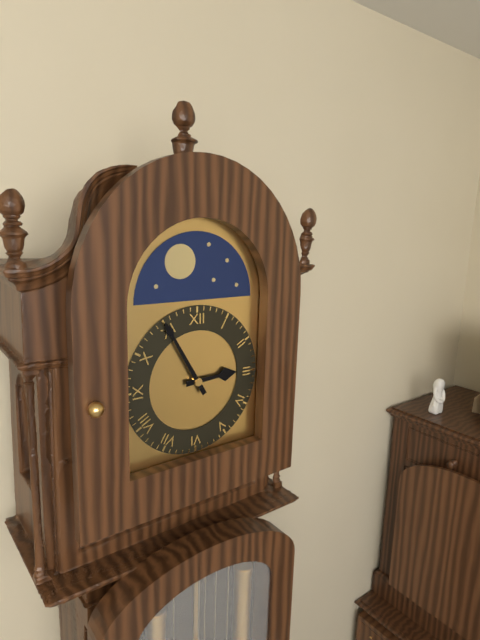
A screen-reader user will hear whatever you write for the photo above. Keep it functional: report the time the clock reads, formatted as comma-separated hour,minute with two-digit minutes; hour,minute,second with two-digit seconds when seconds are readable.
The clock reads 2,55
